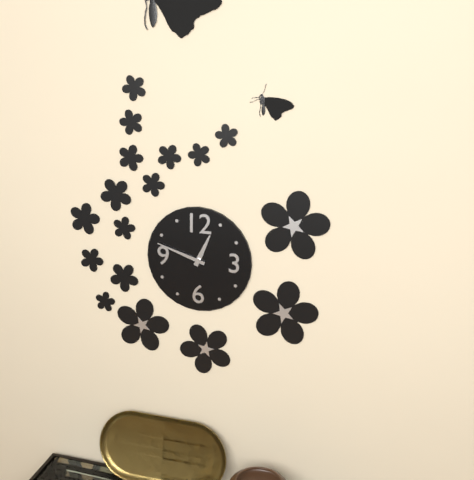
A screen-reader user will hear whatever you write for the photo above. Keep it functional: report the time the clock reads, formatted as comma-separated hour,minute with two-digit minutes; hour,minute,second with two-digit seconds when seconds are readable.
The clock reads 12,48
